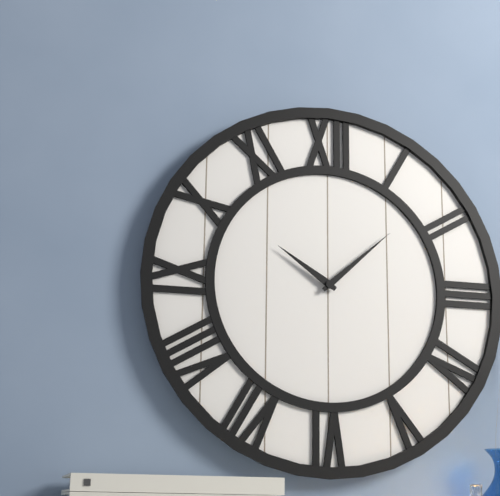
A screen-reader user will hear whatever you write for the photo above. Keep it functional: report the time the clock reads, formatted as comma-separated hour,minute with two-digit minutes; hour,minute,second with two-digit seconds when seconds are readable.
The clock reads 10,08
